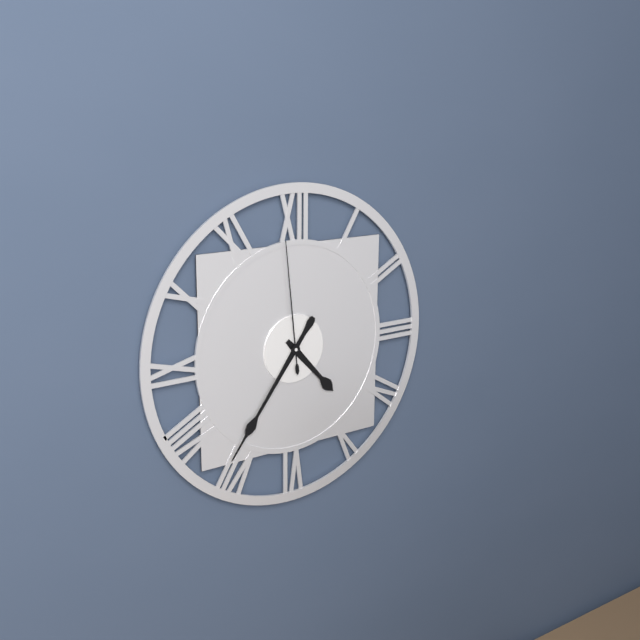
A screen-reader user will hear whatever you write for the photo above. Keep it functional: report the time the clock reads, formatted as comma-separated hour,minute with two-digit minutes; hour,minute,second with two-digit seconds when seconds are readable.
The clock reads 4,36,59
